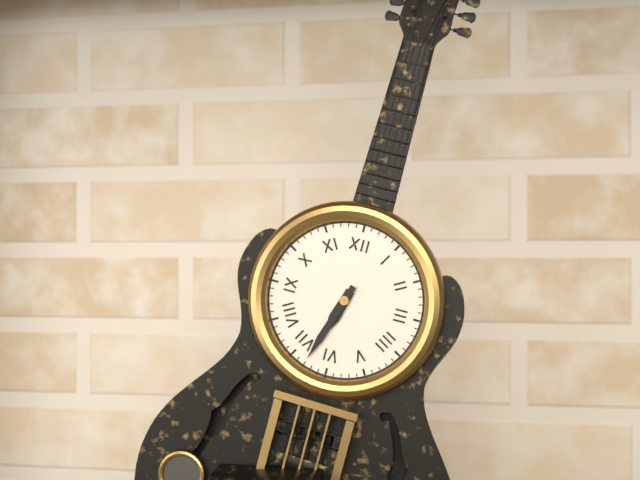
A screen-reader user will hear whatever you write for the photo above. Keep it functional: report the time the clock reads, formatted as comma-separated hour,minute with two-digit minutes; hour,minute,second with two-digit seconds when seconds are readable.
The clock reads 6,33
